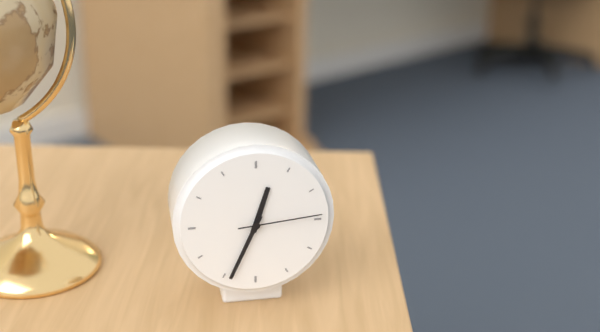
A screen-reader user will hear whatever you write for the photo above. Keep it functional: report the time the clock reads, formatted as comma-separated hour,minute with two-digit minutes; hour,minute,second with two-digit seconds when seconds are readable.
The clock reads 12,34,14
